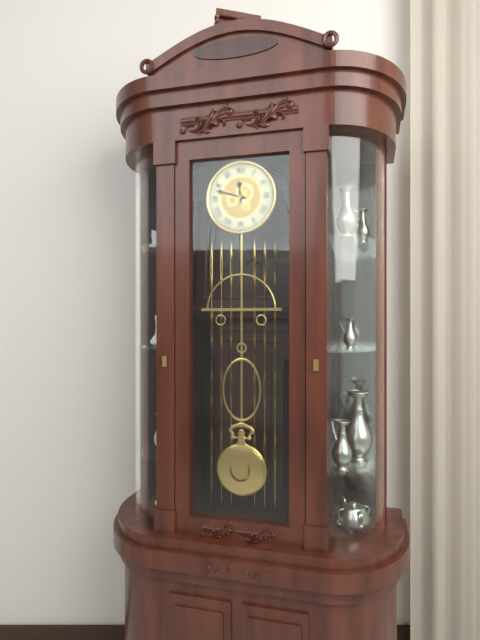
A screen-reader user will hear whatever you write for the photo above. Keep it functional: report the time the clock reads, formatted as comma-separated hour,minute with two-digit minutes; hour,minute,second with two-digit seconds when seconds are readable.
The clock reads 11,48
